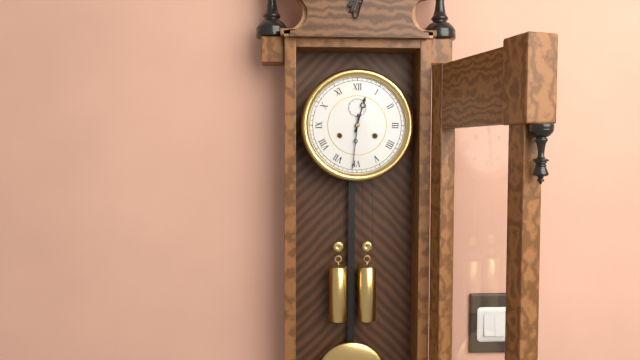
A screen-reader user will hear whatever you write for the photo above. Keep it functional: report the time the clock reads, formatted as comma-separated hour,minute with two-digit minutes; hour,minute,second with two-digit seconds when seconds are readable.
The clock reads 12,31
